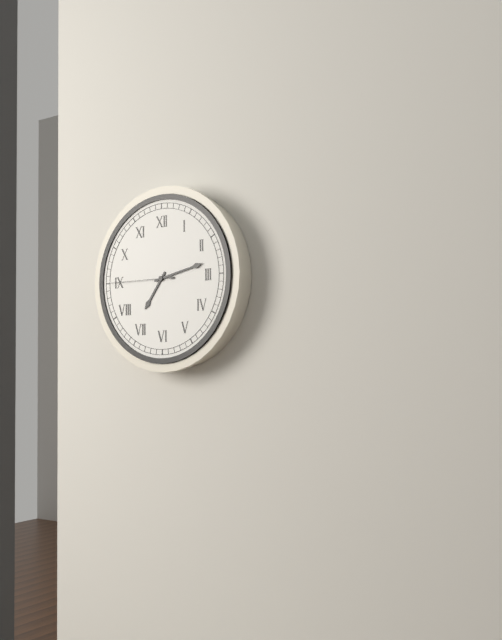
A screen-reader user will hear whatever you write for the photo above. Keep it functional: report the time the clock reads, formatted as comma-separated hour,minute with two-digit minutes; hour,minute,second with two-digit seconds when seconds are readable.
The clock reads 7,13,45
